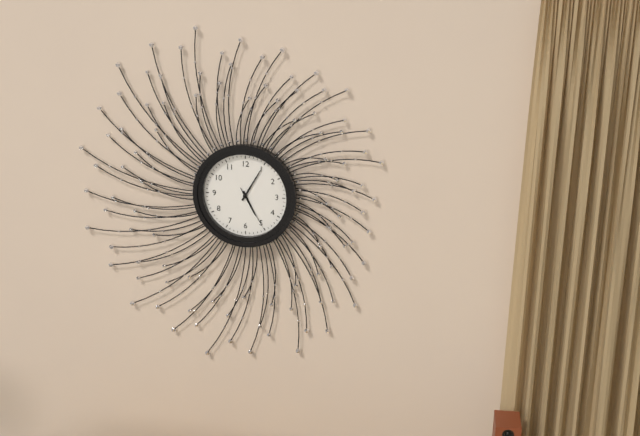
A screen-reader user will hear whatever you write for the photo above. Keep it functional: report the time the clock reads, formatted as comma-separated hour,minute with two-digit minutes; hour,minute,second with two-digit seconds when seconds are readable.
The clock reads 5,05
